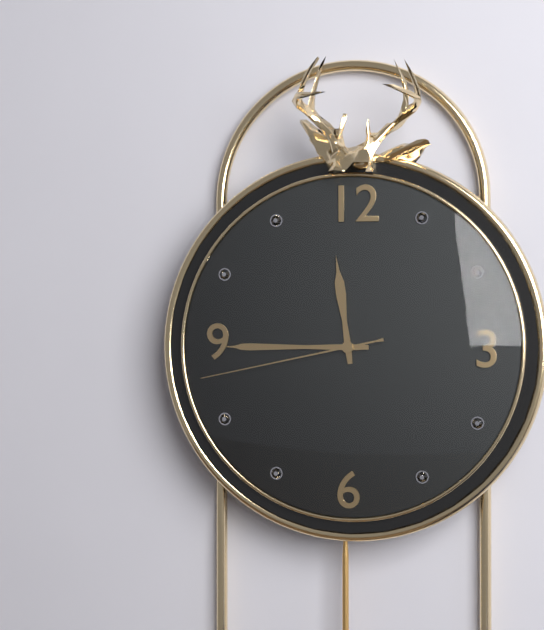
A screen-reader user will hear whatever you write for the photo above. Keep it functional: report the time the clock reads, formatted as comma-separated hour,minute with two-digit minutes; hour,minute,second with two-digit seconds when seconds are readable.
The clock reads 11,45,43
